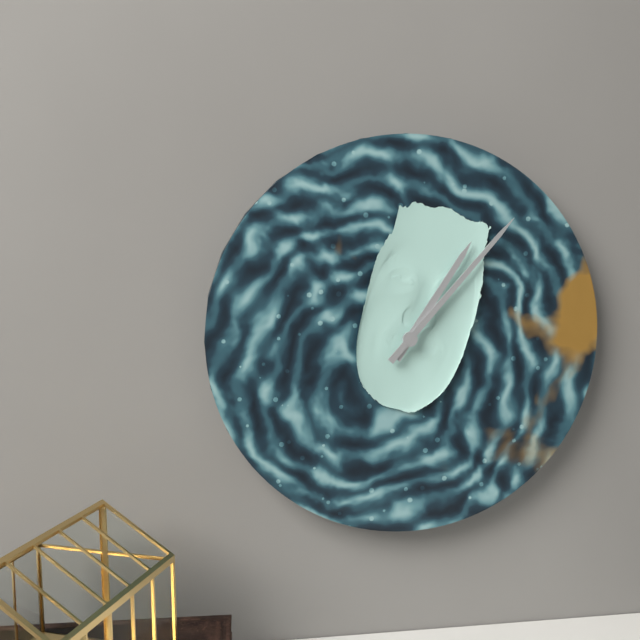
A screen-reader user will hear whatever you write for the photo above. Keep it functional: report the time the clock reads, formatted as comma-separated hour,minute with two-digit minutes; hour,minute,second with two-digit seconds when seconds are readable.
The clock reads 1,07
